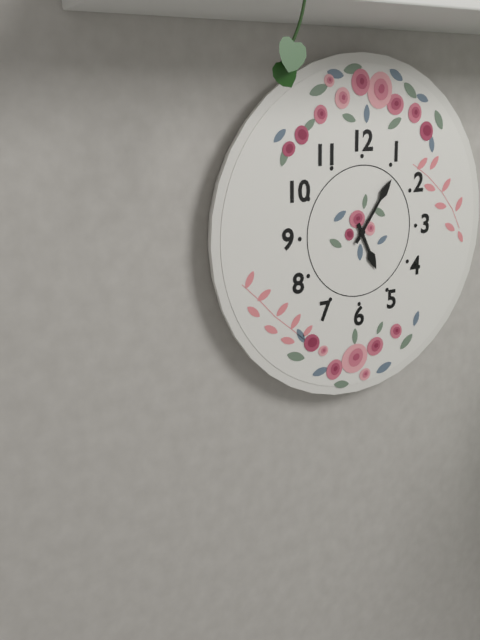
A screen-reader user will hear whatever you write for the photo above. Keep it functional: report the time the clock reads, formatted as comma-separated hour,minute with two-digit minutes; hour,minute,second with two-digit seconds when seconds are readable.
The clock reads 5,06
